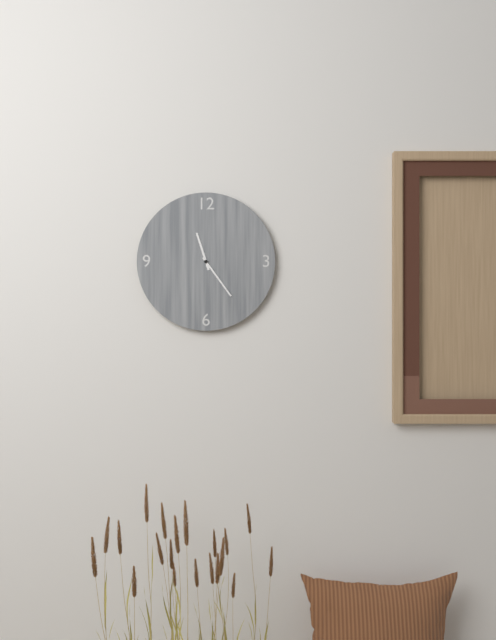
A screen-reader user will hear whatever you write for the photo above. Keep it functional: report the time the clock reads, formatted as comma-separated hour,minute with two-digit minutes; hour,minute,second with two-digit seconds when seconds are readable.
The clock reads 11,24
